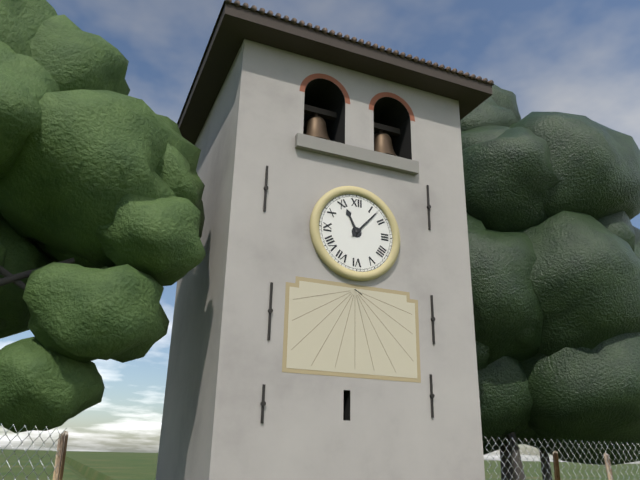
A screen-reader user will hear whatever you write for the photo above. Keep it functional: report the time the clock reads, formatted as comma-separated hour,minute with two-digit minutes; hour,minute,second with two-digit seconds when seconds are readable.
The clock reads 11,07
